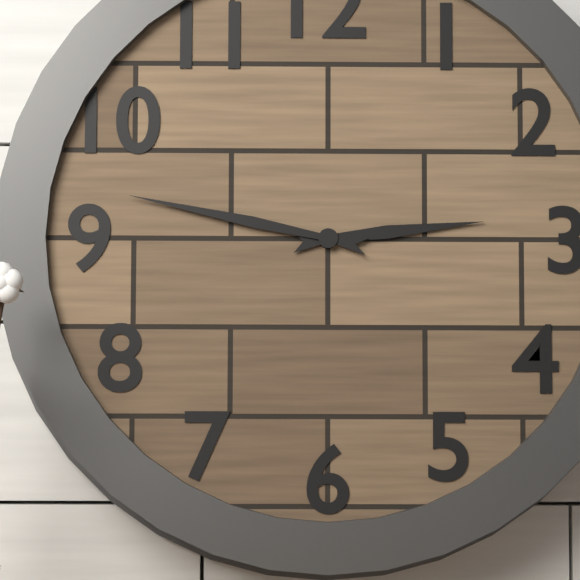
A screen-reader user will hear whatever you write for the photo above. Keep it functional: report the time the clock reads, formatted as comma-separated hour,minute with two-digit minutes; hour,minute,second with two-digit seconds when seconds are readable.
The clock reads 2,47
